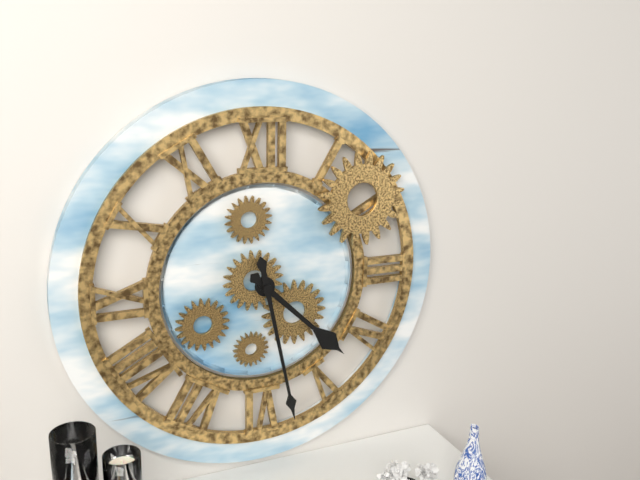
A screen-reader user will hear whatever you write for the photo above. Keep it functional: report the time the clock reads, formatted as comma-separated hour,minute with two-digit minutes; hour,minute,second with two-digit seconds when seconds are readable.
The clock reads 4,28
